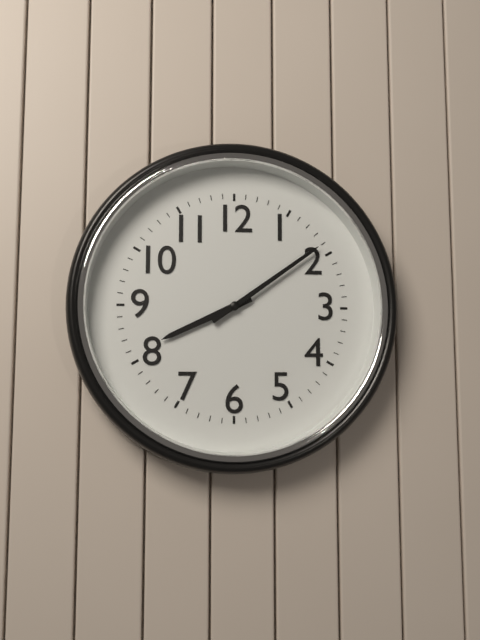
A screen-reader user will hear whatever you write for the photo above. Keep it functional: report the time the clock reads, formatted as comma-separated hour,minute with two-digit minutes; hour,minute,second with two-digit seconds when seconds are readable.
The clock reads 8,09
